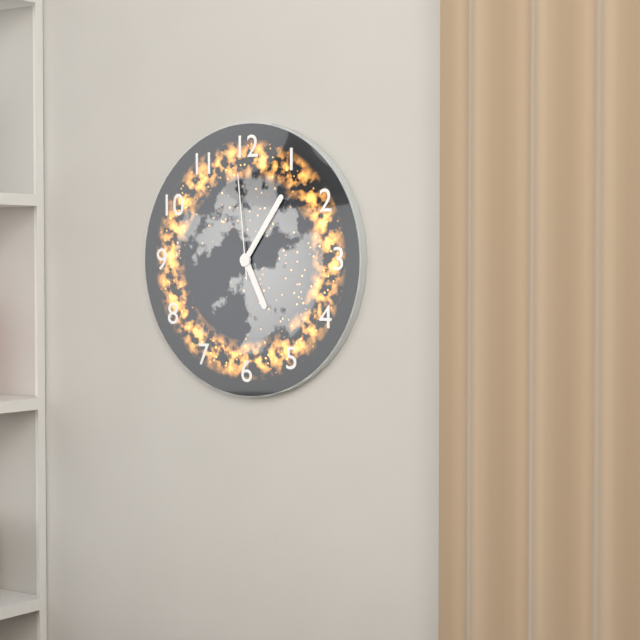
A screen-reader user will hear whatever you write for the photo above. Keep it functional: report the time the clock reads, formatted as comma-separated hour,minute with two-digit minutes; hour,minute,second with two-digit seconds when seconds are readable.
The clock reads 5,06,59
